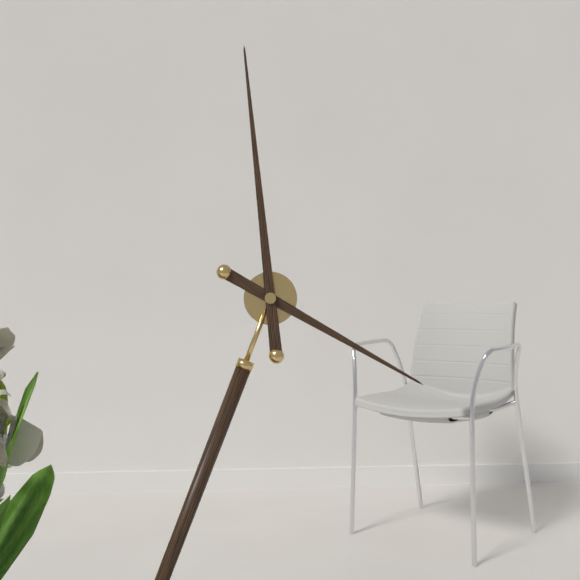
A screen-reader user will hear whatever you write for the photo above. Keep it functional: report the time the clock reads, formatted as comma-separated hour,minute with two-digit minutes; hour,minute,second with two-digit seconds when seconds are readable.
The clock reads 3,59
